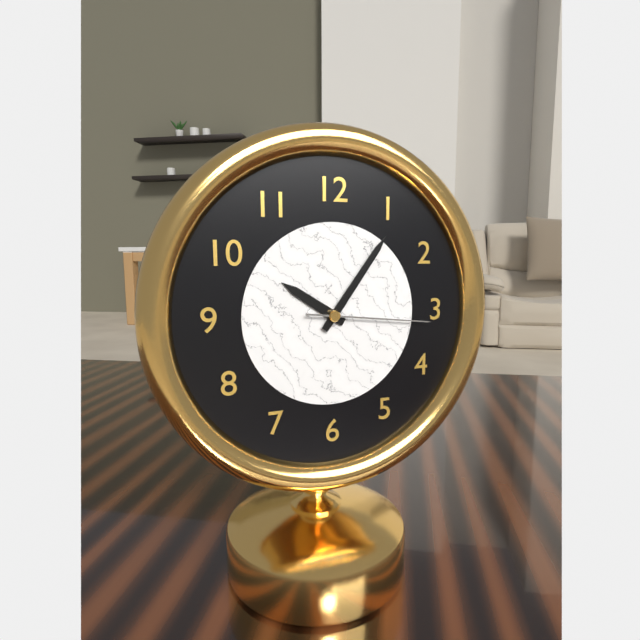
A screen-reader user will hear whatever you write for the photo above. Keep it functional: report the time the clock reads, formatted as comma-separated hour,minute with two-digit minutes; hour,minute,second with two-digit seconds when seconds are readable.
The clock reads 10,06,16
